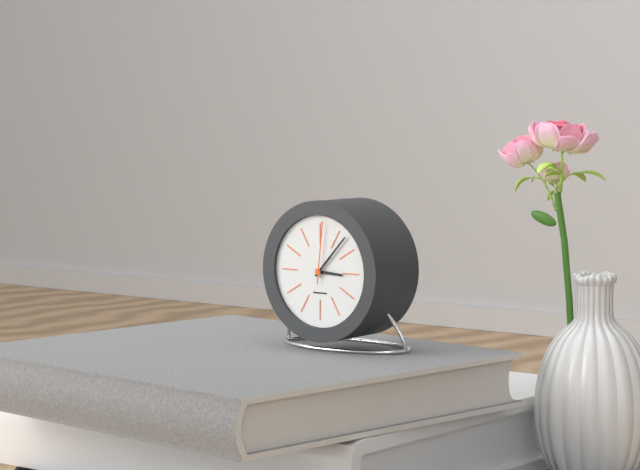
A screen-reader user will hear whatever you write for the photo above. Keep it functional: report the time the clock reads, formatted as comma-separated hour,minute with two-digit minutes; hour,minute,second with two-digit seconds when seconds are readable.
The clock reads 3,07,01
